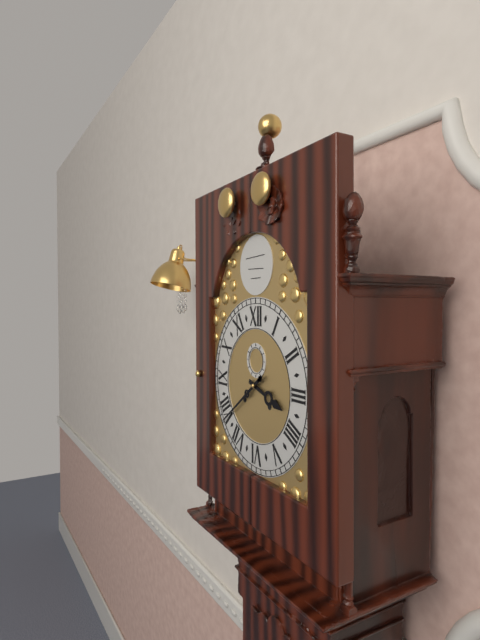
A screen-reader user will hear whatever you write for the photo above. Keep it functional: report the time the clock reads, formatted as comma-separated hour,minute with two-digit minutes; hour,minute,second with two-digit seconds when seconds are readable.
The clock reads 3,39
